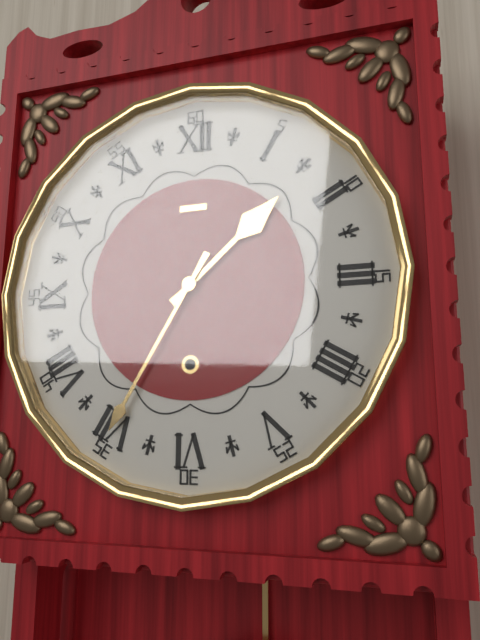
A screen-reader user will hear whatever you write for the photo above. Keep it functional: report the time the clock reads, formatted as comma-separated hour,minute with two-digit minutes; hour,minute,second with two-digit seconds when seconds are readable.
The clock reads 1,35
